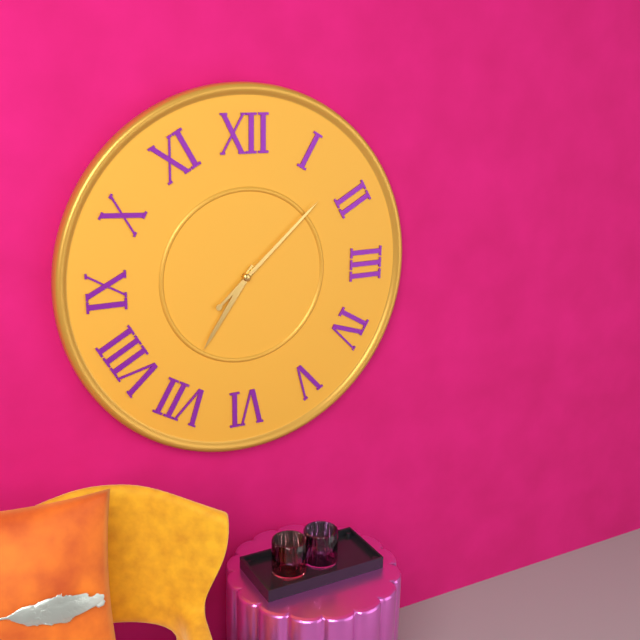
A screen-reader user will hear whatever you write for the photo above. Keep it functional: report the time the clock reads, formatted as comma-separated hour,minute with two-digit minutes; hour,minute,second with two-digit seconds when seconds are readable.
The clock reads 7,08
